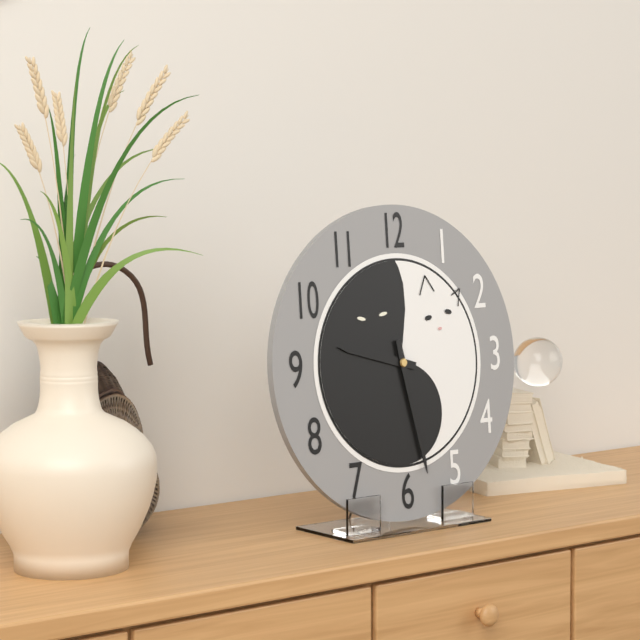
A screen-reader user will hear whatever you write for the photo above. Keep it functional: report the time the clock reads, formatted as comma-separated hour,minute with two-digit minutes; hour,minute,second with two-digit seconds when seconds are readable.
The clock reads 9,28
